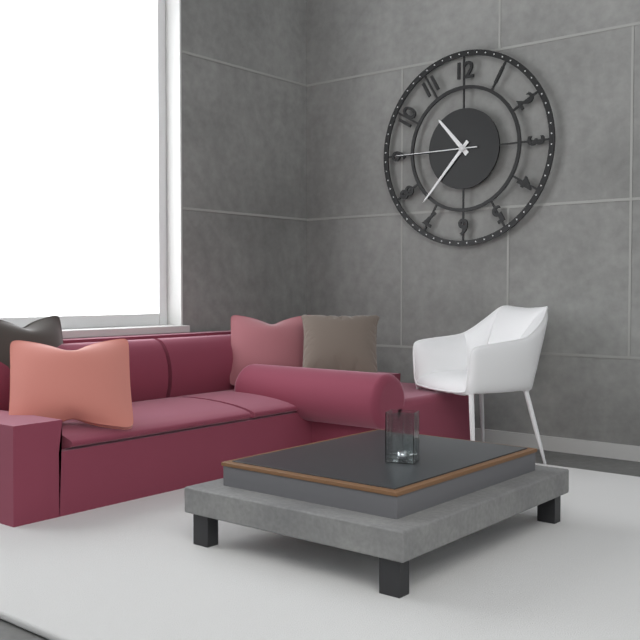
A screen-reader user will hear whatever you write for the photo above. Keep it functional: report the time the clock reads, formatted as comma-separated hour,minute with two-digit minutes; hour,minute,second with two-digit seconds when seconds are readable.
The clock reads 10,37,45
